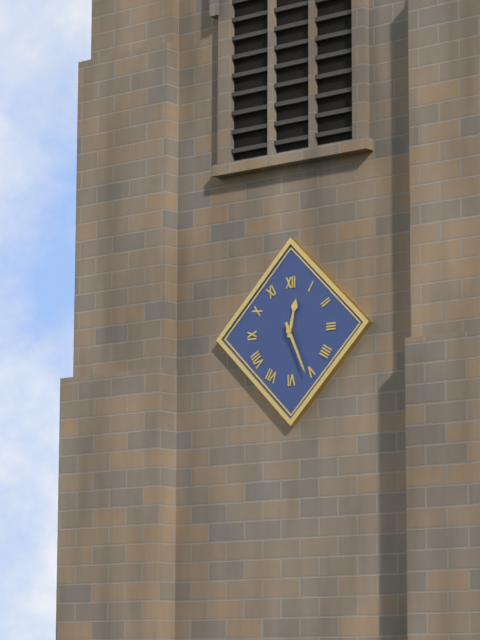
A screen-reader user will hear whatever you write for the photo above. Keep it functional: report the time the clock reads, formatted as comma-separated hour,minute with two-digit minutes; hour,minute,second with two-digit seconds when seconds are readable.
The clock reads 12,26
